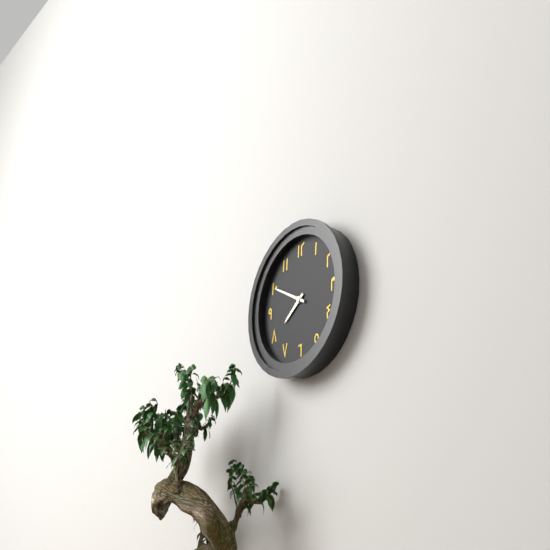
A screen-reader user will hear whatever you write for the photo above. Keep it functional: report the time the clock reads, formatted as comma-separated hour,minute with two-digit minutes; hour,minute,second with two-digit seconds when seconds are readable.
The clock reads 7,50
